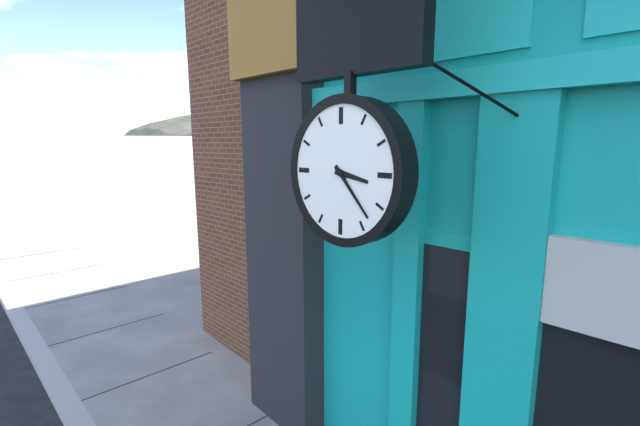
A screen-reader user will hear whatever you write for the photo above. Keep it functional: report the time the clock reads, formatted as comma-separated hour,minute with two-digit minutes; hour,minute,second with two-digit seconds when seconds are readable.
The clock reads 3,23
